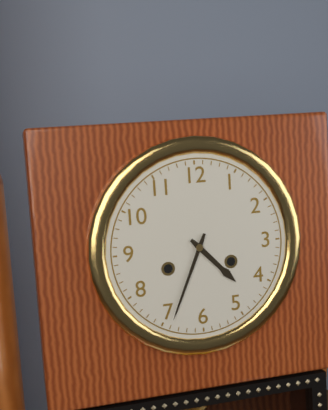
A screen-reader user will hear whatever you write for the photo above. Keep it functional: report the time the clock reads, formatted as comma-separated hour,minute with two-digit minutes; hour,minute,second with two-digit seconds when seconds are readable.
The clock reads 4,34
